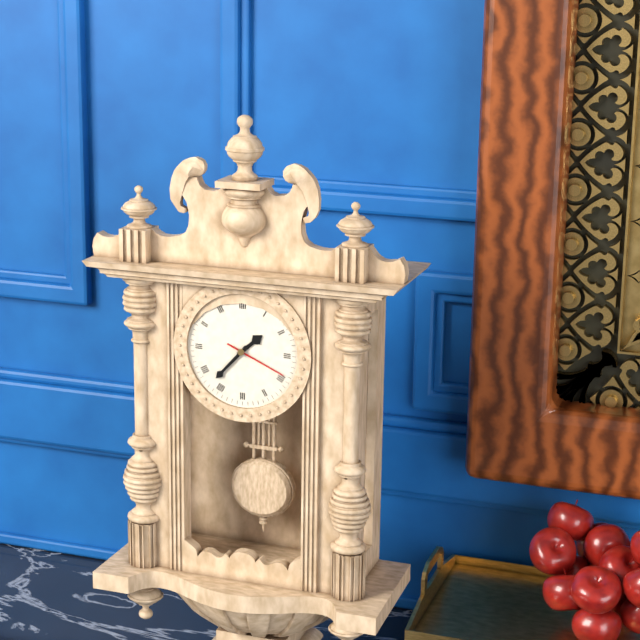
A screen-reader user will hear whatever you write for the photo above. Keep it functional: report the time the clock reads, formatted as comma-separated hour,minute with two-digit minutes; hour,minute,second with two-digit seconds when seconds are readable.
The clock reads 1,37,19
